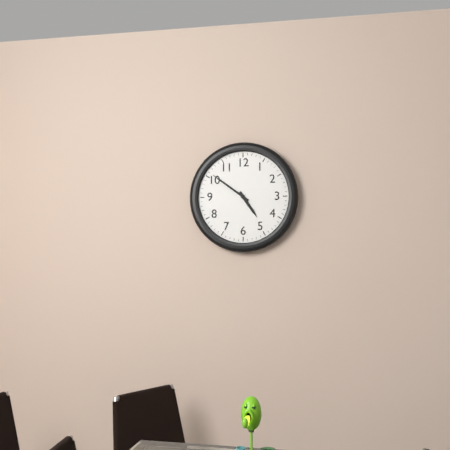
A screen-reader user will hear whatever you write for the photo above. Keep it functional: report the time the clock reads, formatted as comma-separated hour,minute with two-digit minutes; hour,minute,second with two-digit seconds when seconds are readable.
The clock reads 4,51
